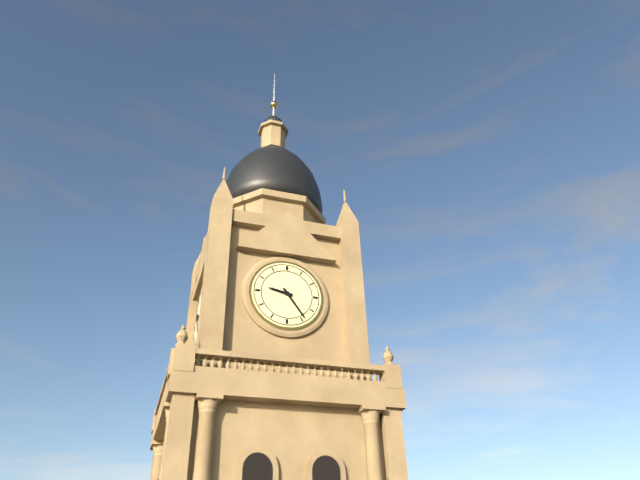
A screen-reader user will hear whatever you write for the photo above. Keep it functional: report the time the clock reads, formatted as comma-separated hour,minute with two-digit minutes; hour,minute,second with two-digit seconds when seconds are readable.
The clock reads 9,24
